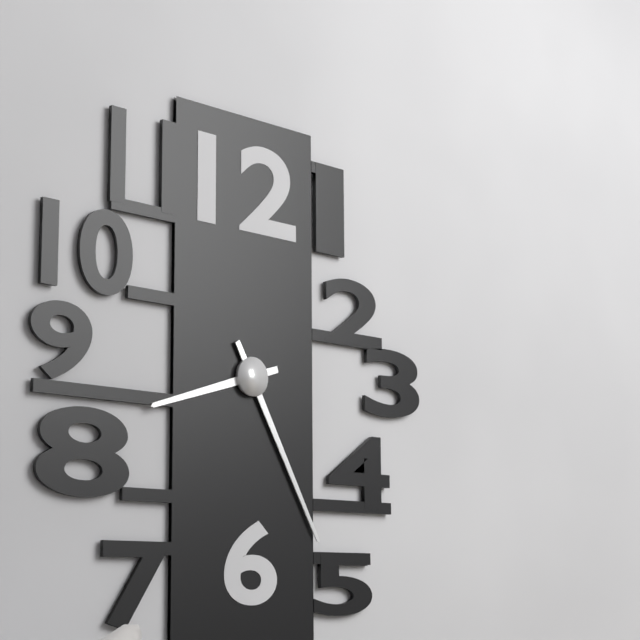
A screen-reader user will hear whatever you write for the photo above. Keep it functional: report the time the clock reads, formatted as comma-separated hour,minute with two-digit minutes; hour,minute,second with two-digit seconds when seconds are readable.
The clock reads 8,25
